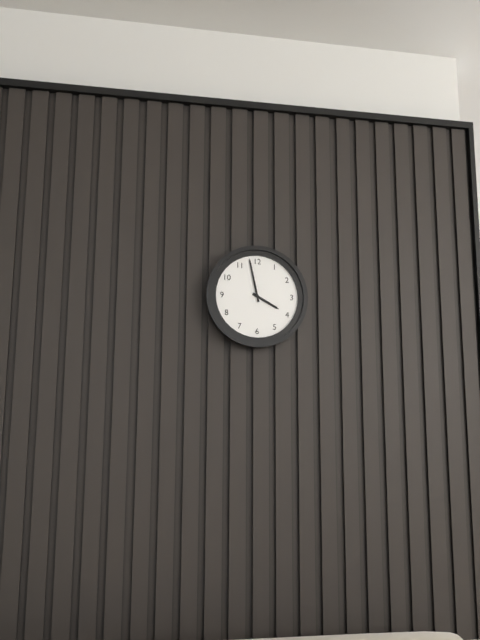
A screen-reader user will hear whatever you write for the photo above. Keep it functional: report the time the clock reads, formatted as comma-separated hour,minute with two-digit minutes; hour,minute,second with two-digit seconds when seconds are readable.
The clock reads 3,58
